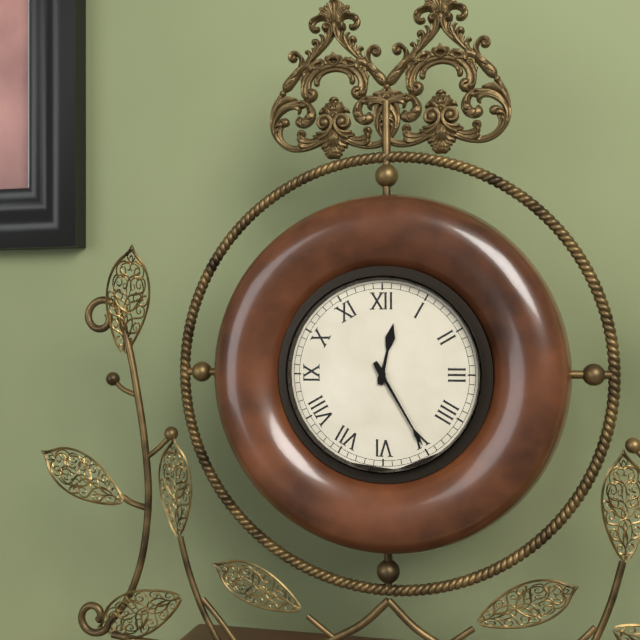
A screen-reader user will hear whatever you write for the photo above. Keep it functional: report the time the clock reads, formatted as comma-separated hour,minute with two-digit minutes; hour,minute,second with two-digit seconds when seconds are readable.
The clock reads 12,25
